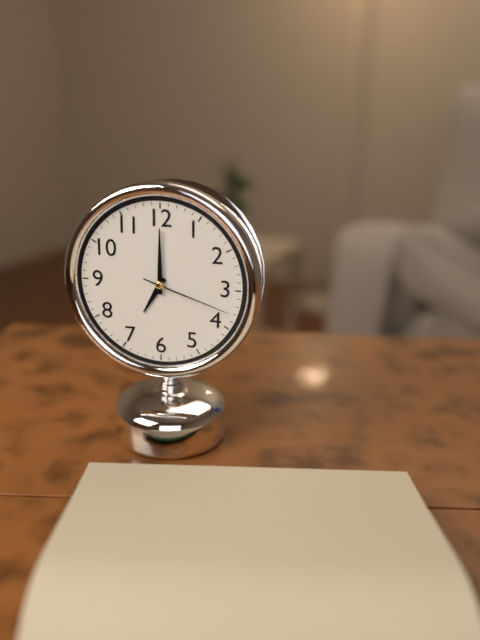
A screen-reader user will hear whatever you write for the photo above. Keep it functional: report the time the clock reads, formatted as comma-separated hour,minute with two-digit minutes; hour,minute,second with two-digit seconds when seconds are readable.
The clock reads 7,00,18
